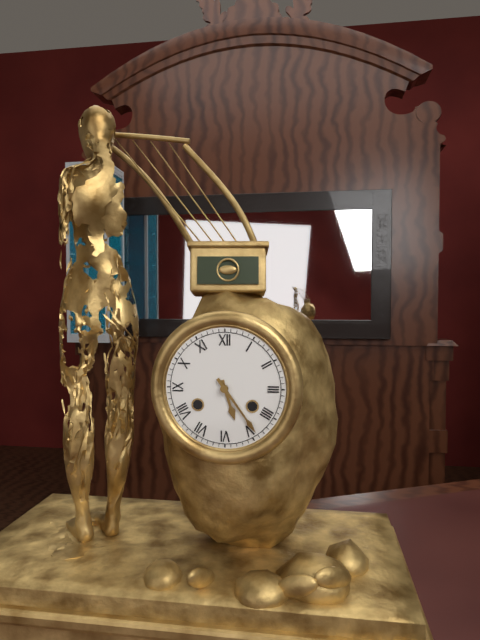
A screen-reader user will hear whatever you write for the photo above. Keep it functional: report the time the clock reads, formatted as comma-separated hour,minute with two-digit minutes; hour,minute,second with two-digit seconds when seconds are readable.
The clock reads 5,24
